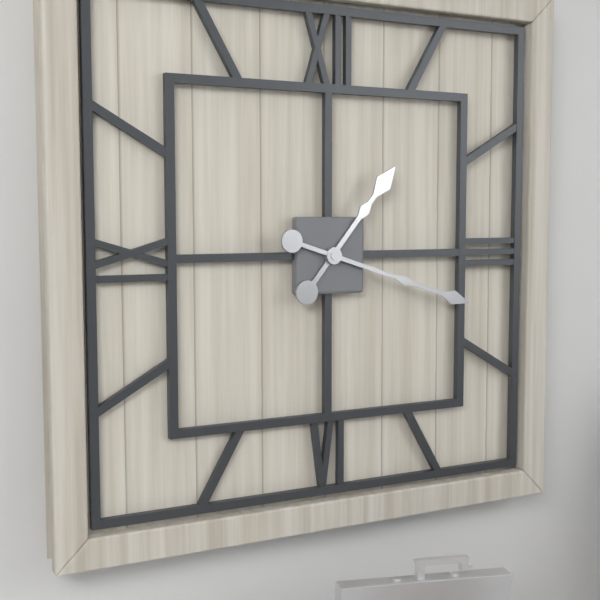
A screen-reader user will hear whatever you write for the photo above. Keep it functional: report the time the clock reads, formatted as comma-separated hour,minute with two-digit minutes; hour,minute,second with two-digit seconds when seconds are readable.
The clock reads 1,18
